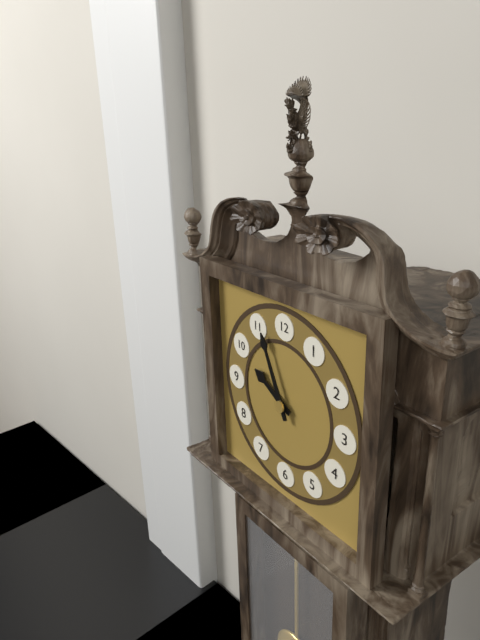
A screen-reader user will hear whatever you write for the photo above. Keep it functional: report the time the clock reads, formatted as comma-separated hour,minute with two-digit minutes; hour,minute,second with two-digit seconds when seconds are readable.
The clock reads 9,56
